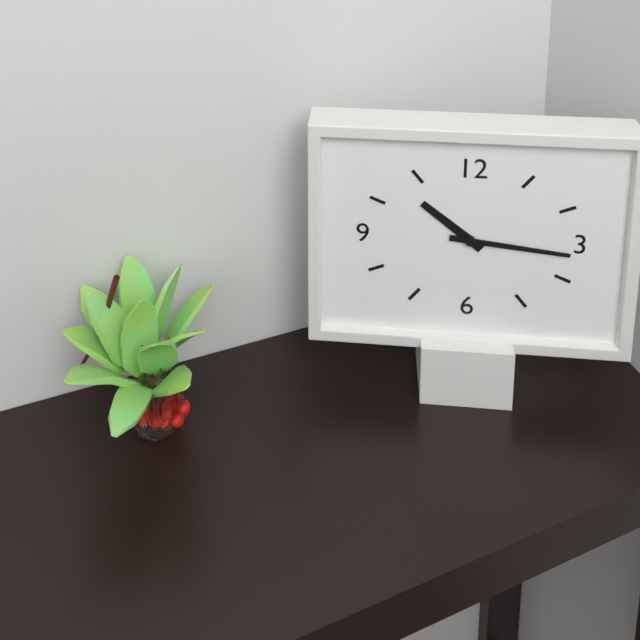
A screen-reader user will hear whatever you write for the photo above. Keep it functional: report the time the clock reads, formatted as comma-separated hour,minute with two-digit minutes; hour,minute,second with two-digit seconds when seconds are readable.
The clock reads 10,16
